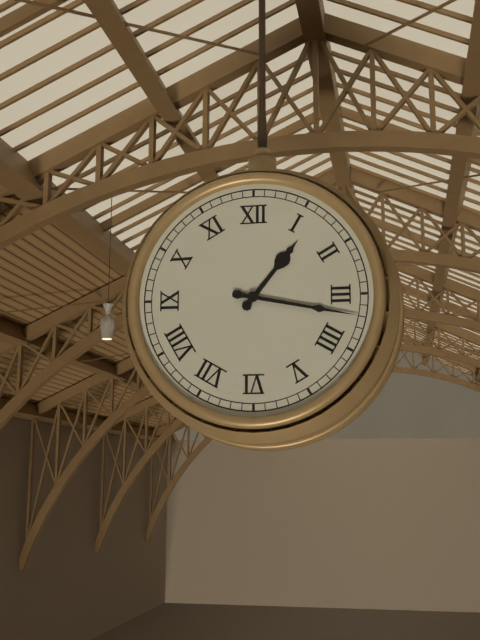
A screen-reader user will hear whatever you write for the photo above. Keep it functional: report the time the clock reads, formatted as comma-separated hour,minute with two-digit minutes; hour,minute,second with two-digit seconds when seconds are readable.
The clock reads 1,17
